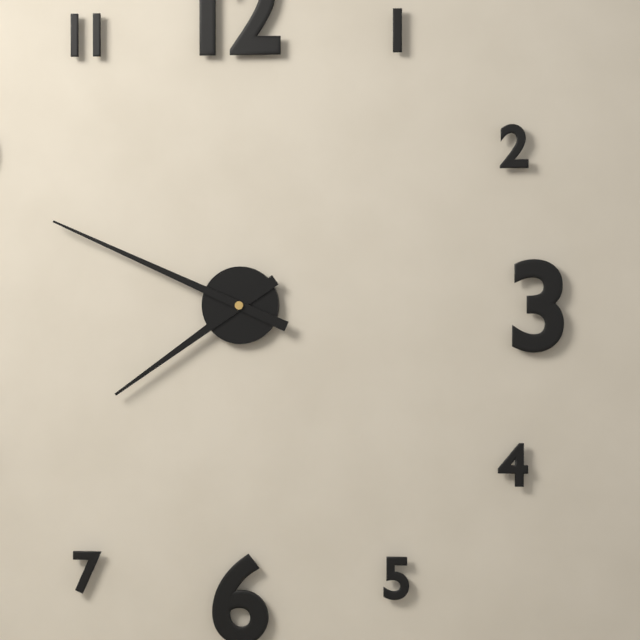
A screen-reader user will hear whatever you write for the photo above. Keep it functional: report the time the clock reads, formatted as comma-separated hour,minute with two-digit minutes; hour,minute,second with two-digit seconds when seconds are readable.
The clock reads 7,49
